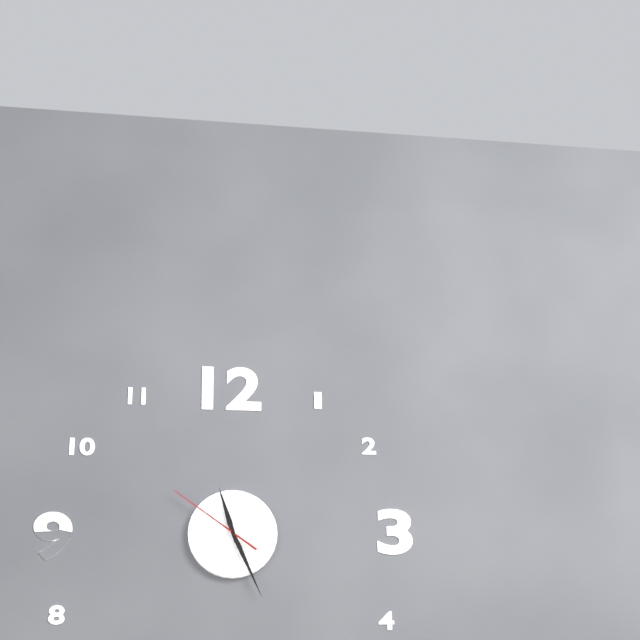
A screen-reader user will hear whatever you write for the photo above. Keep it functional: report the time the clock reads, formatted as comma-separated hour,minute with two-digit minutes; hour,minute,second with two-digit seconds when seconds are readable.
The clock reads 11,26,51
